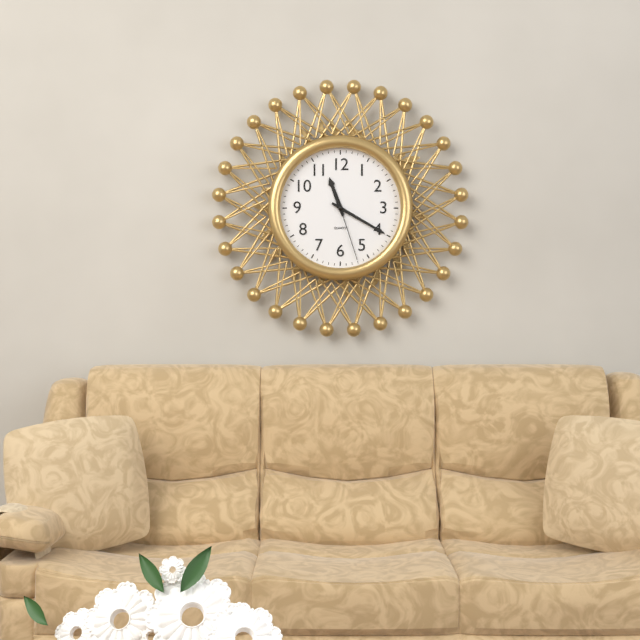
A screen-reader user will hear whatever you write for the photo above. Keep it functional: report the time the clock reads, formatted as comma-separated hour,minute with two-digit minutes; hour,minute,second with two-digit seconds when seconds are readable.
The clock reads 11,20,27
